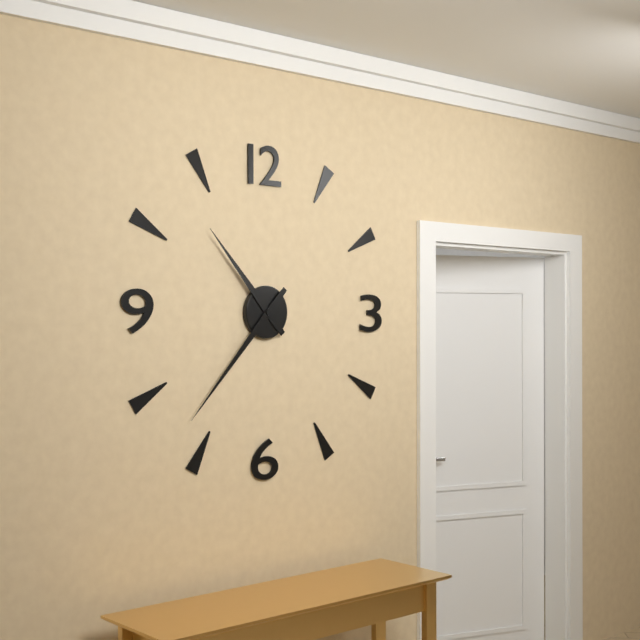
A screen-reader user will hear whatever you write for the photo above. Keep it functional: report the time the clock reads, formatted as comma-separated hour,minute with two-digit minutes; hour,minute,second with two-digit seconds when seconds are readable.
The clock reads 10,37
